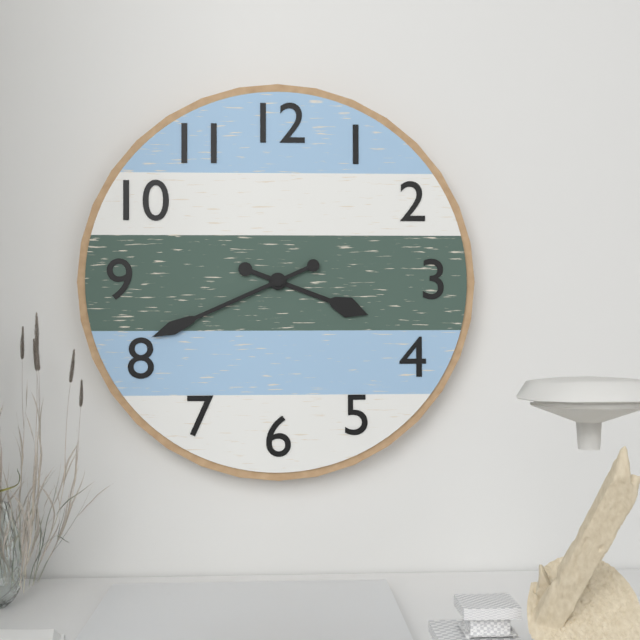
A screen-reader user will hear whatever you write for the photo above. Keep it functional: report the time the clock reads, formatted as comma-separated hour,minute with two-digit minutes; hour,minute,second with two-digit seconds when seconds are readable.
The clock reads 3,41
